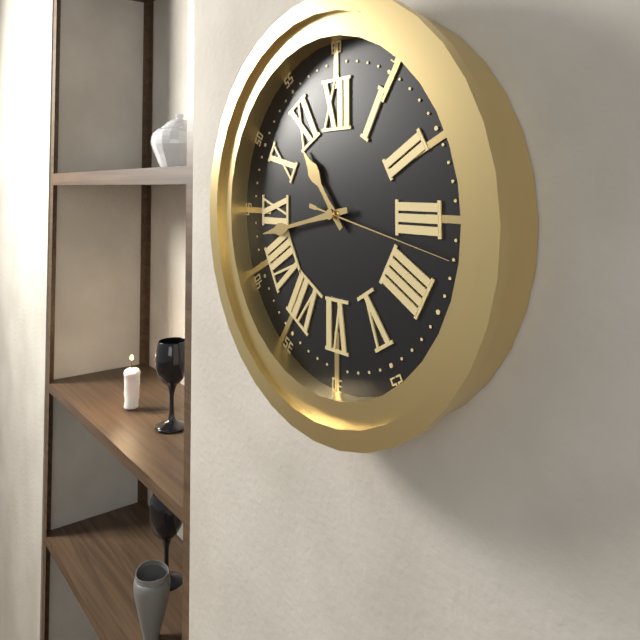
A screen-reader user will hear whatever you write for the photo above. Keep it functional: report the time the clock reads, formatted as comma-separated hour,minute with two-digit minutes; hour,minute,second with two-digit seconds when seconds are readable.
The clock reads 10,43,17
